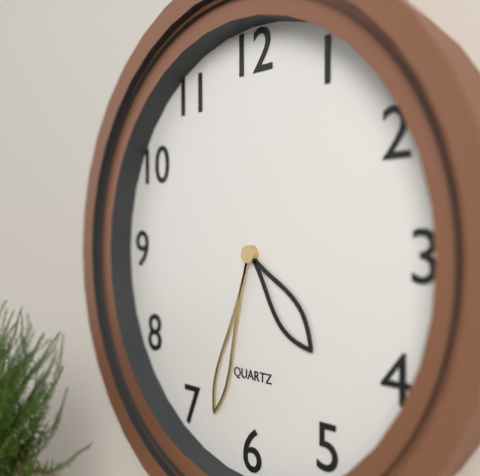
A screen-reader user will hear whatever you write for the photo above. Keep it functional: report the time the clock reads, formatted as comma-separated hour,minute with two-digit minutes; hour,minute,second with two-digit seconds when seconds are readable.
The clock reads 4,33
